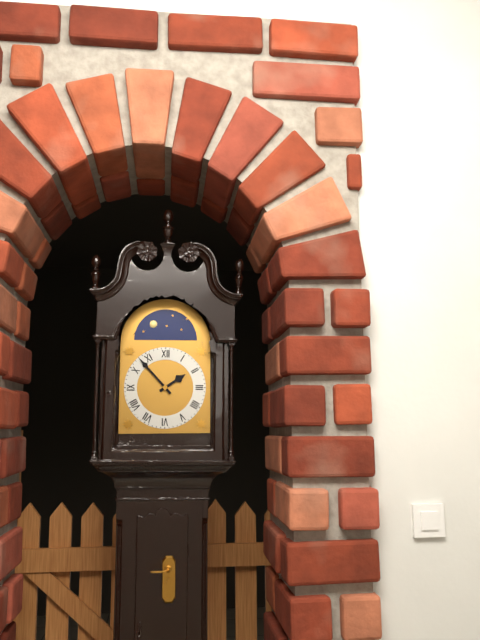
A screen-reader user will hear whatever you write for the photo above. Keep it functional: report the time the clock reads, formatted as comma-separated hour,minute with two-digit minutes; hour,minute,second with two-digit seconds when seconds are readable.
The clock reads 1,53
